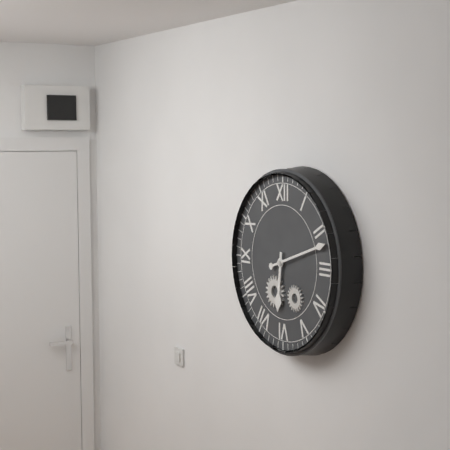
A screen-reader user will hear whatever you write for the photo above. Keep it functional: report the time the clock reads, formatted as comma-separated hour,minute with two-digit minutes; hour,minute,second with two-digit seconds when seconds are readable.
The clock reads 6,12
